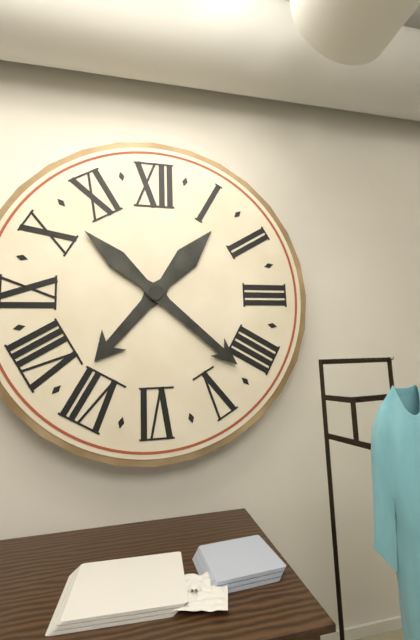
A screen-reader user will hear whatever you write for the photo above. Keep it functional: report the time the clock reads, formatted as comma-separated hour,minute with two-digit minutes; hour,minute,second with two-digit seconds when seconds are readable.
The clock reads 7,22
